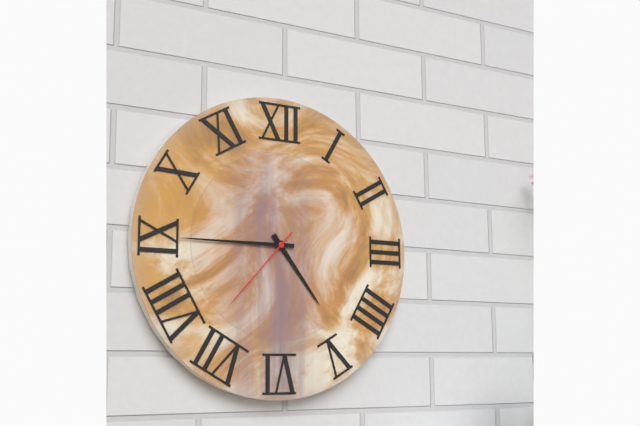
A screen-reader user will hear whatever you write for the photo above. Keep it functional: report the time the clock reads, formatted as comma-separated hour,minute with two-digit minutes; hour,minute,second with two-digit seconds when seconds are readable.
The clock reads 4,45,37
